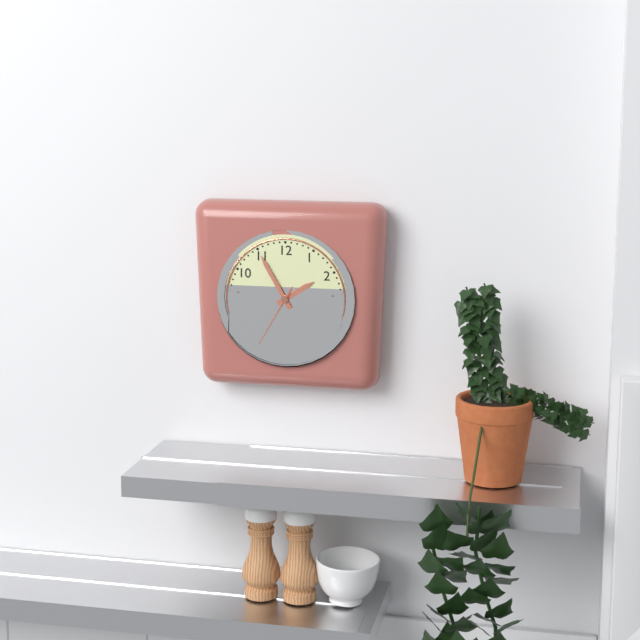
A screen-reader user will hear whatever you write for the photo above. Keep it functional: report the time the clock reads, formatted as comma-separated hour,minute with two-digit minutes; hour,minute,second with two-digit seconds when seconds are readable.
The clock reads 1,55,35
